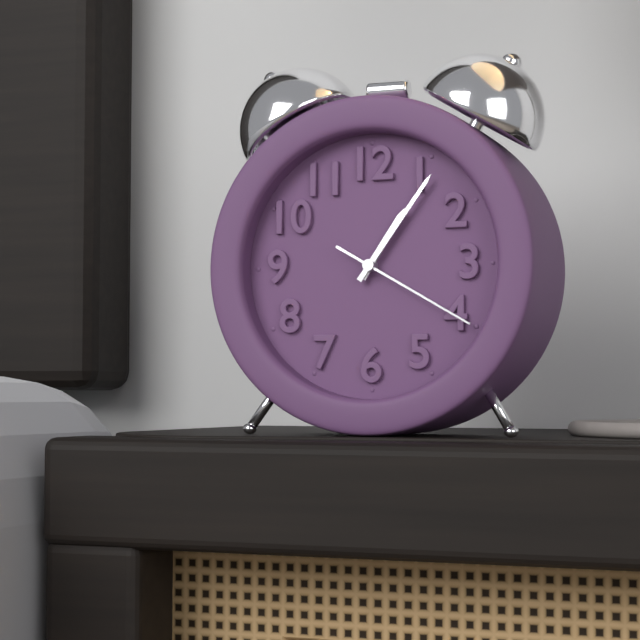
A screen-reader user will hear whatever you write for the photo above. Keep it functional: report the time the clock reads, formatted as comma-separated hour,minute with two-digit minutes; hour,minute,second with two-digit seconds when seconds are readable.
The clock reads 1,06,20
